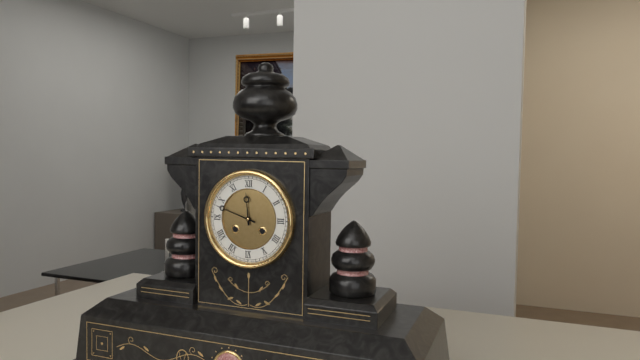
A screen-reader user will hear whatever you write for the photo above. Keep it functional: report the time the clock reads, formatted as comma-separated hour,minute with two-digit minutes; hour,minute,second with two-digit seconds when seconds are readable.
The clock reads 11,48
